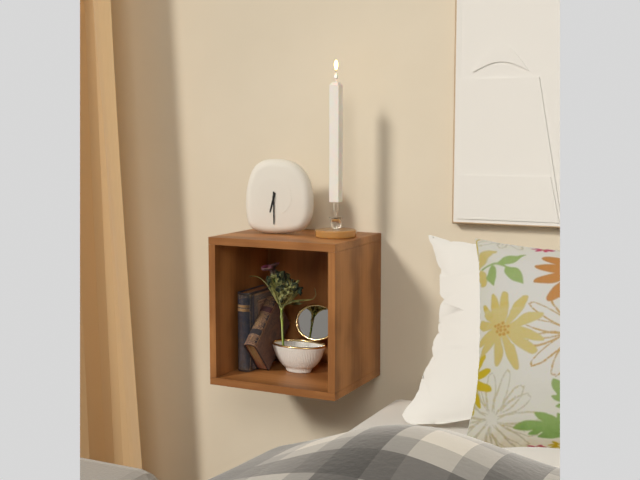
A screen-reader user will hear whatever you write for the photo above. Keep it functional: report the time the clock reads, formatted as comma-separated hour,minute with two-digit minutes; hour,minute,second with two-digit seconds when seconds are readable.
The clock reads 6,30
